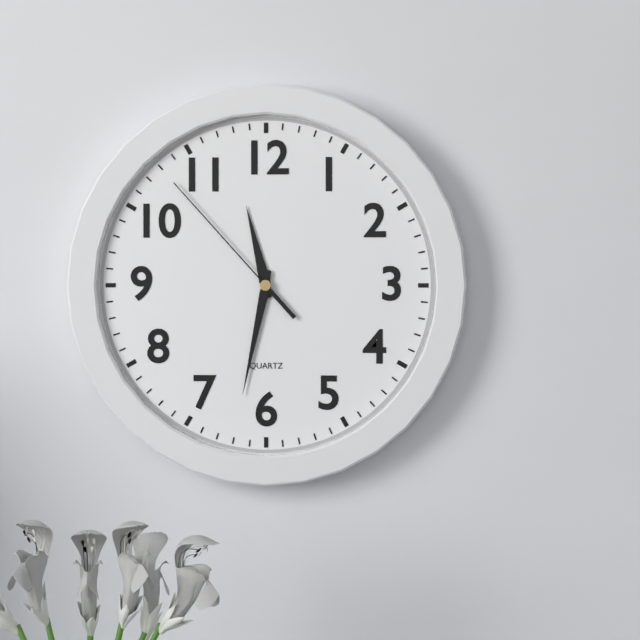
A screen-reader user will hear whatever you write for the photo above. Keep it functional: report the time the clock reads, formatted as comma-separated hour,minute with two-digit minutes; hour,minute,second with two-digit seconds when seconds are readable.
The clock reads 11,32,53
